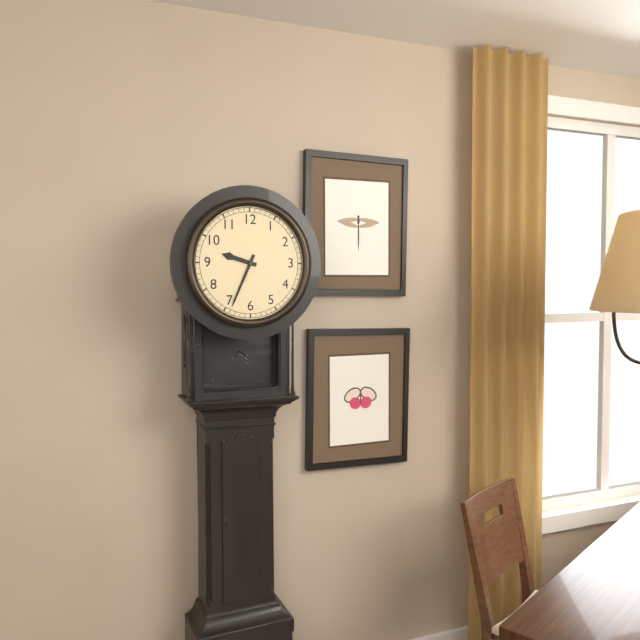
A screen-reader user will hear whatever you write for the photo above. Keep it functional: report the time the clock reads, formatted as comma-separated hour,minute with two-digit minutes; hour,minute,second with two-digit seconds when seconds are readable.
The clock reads 9,34
